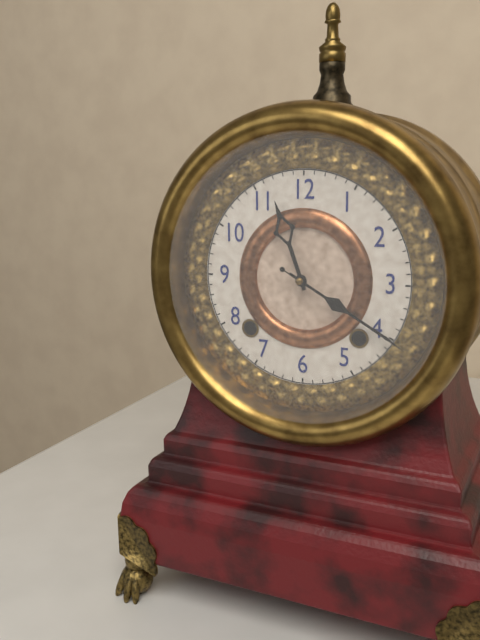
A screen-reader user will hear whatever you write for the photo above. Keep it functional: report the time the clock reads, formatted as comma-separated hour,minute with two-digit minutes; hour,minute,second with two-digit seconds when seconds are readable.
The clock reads 11,20,20
